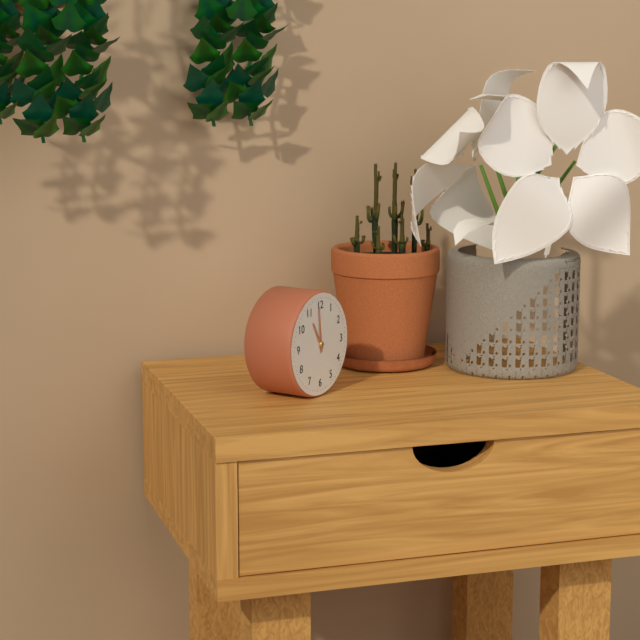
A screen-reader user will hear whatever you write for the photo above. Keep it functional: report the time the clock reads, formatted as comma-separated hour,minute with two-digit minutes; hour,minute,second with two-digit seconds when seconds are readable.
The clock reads 10,59
